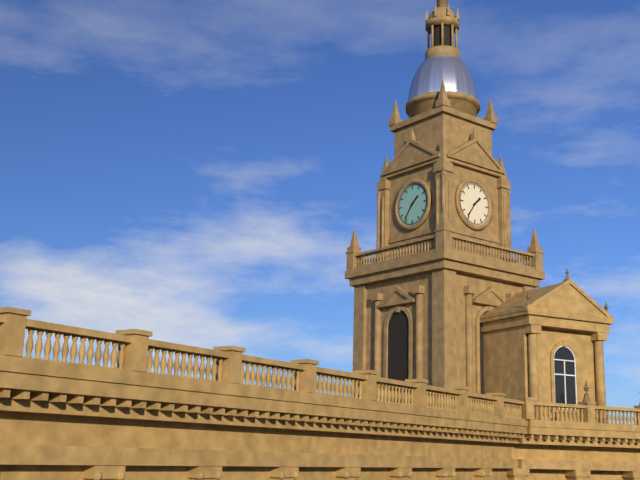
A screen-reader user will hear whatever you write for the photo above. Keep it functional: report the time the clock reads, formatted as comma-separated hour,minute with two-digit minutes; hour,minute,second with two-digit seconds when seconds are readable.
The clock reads 1,36
